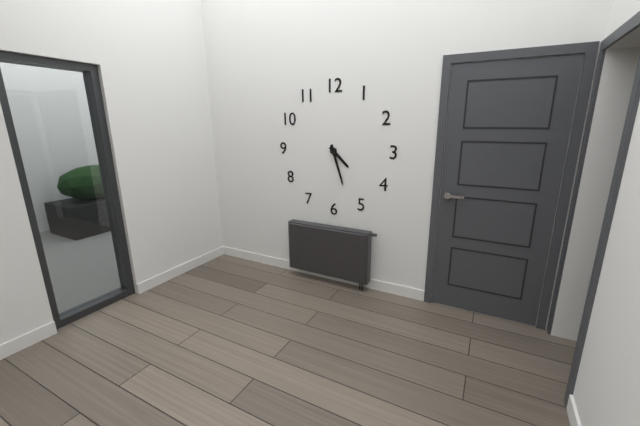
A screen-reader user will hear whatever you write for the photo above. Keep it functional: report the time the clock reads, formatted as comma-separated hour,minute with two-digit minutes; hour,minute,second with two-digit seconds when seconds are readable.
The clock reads 4,27
